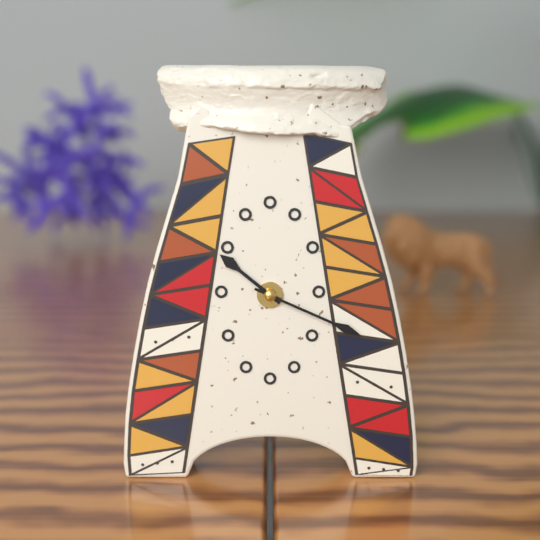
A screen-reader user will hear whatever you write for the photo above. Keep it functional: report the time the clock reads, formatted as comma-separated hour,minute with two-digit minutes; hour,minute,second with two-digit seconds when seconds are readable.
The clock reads 10,19
